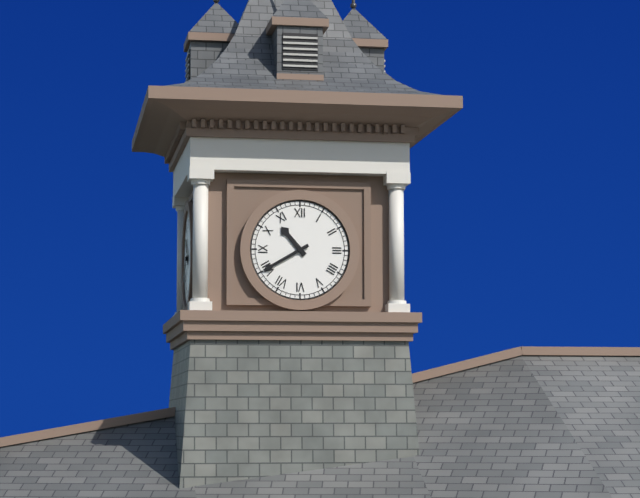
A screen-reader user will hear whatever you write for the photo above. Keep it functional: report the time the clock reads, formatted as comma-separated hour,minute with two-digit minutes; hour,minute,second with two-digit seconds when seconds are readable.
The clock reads 10,40
